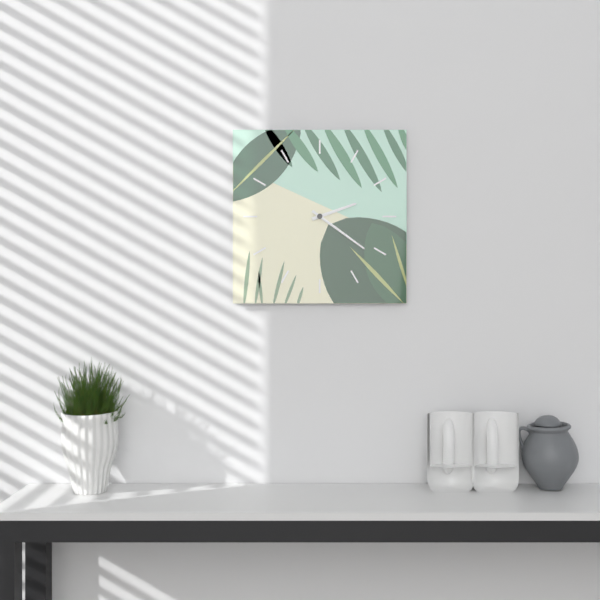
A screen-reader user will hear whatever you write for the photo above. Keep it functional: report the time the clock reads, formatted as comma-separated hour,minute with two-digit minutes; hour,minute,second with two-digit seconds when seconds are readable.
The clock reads 2,21
